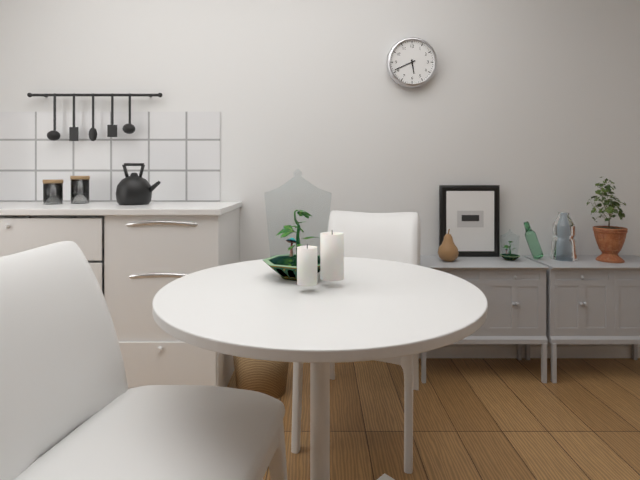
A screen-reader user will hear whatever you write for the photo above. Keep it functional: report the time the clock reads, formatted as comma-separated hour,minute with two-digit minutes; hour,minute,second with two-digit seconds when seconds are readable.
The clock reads 5,41
